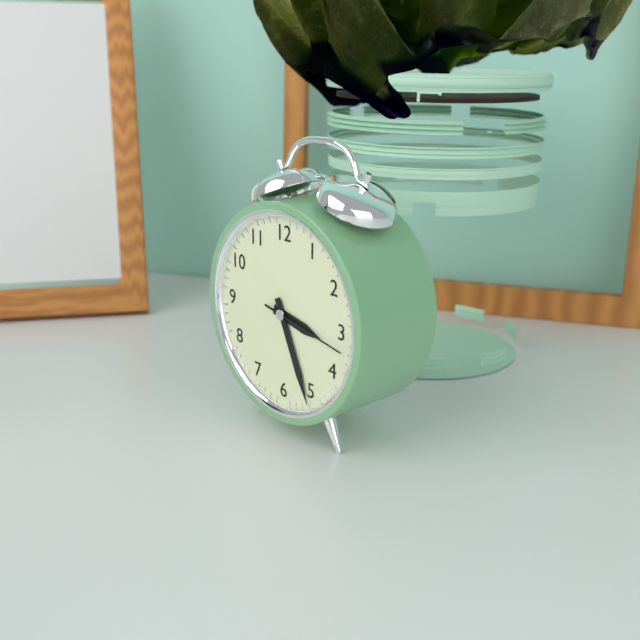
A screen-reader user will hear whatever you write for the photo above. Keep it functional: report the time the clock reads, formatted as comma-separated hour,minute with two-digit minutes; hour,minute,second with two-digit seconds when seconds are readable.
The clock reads 3,26,17
